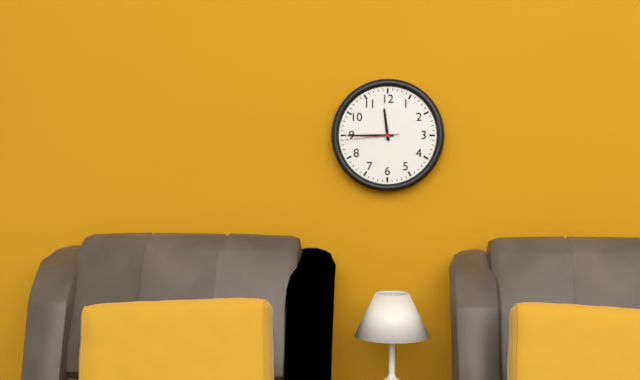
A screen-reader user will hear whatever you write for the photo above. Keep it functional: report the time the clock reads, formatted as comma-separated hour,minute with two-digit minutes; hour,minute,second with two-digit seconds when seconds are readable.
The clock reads 11,45,44
